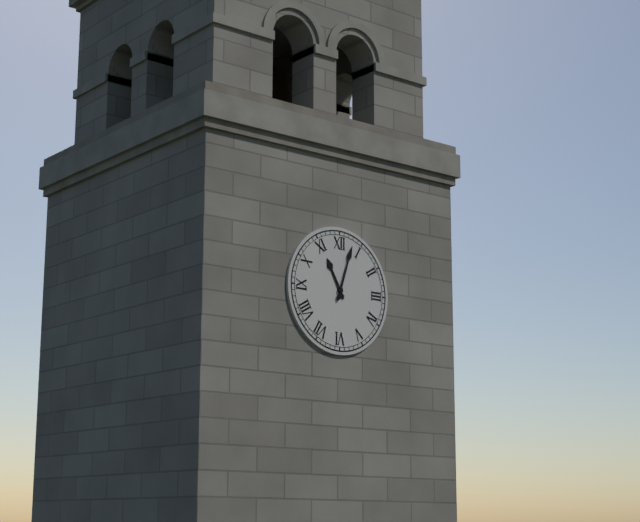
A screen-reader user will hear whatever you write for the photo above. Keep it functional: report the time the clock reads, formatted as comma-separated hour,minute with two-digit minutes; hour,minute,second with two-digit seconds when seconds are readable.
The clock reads 11,03
